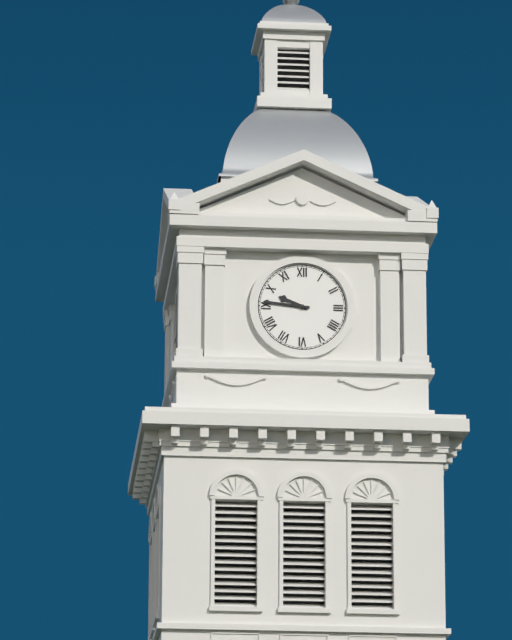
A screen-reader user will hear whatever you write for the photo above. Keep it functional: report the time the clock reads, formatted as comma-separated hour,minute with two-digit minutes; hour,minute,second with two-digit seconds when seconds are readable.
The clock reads 9,46
